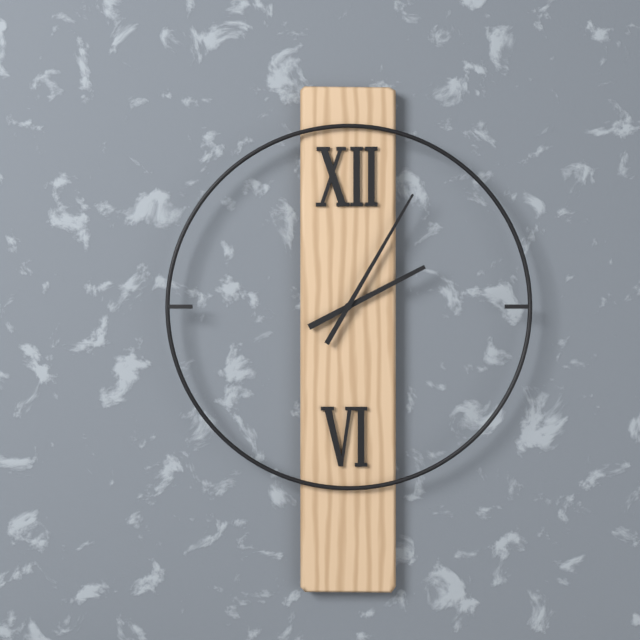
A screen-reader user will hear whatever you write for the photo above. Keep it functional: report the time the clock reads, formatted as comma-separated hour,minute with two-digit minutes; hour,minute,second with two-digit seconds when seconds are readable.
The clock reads 2,05
